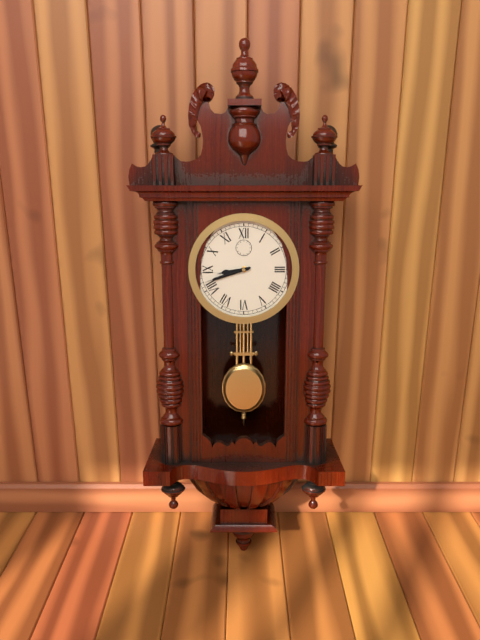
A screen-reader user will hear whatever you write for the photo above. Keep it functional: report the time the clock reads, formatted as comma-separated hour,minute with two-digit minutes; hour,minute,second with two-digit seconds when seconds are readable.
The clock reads 8,42
